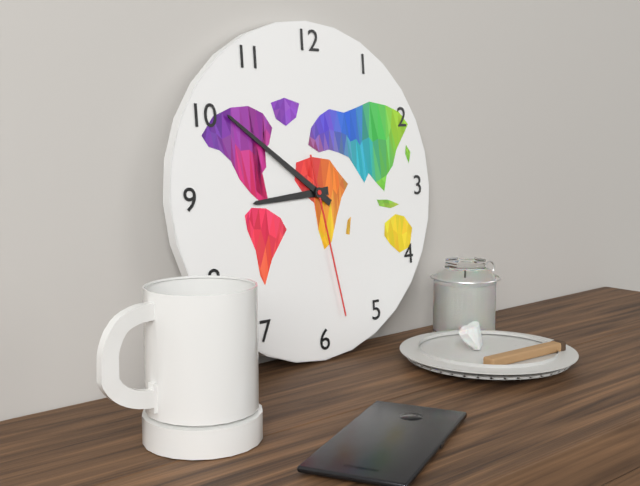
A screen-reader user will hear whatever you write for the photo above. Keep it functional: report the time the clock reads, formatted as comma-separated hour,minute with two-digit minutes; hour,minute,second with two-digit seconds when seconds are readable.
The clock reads 8,51,28
